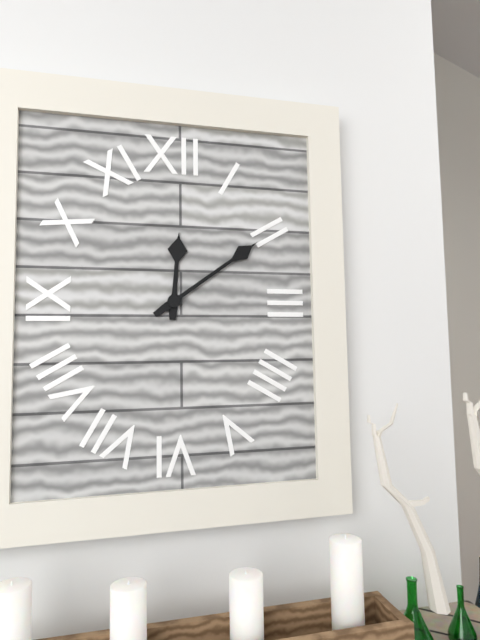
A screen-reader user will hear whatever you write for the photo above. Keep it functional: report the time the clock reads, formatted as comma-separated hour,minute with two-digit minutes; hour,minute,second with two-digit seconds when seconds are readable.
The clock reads 12,09
